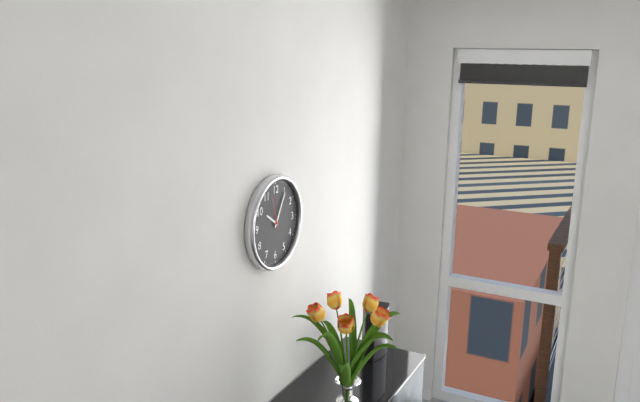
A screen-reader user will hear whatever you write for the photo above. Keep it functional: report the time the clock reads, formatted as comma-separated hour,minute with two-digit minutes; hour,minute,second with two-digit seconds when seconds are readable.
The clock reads 10,05
